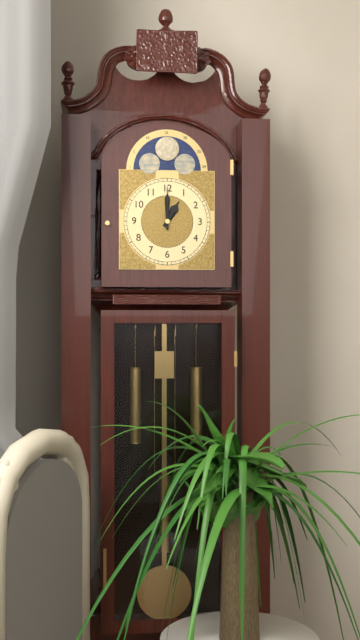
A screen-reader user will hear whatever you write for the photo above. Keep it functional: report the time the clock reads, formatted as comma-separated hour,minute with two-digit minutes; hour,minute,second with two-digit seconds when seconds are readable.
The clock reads 1,00
